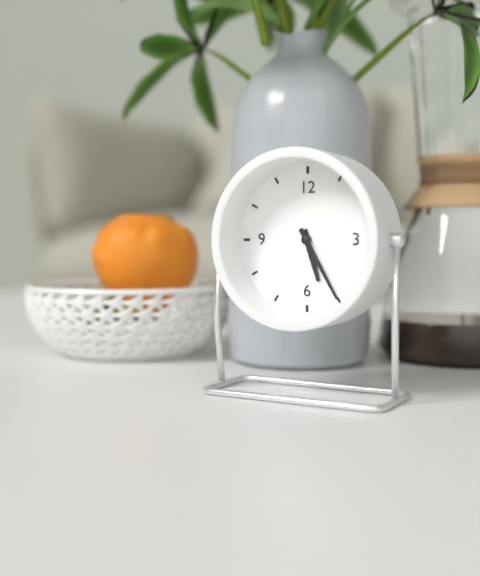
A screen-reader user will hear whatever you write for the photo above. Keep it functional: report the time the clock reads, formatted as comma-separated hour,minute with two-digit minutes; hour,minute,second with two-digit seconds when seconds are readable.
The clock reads 5,25
